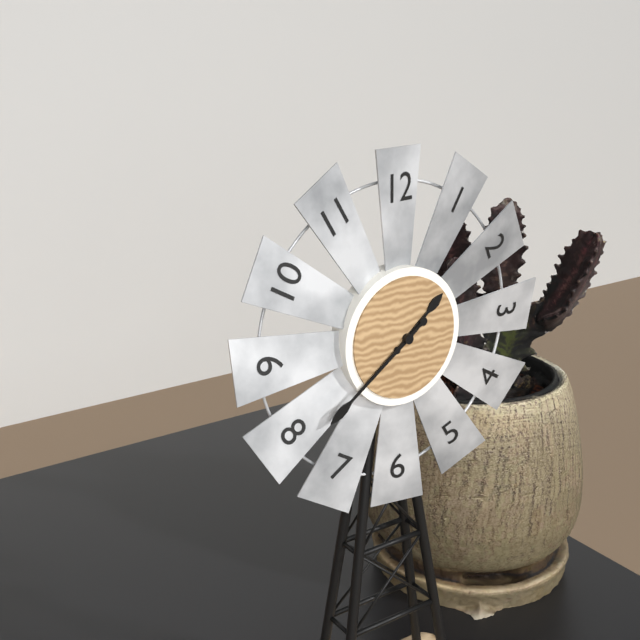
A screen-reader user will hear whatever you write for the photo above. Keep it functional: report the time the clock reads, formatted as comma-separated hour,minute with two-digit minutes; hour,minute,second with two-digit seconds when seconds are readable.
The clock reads 1,39
